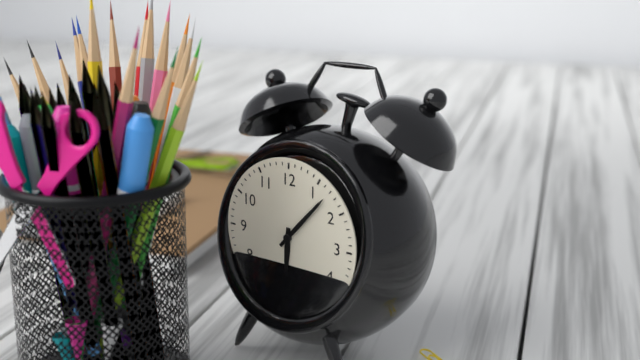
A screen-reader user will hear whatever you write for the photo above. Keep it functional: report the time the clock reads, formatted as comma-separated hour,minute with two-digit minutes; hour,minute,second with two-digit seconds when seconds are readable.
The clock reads 6,07
